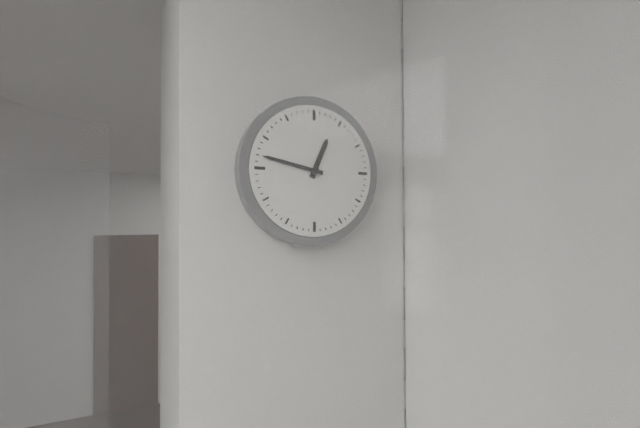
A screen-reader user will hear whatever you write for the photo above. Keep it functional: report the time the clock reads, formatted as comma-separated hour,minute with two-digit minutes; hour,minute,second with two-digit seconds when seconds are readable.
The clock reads 12,47
